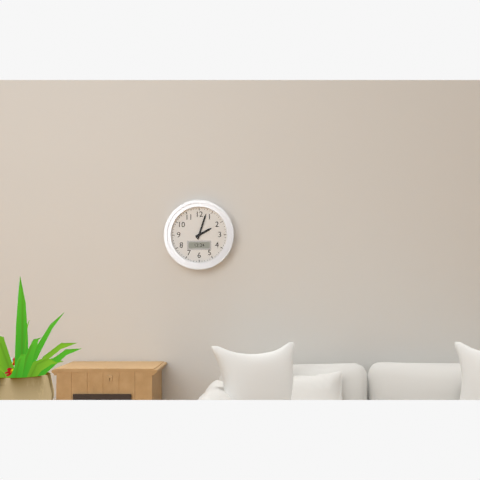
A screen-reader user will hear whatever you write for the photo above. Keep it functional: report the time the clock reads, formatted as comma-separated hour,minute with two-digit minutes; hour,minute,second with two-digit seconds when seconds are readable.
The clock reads 2,03
